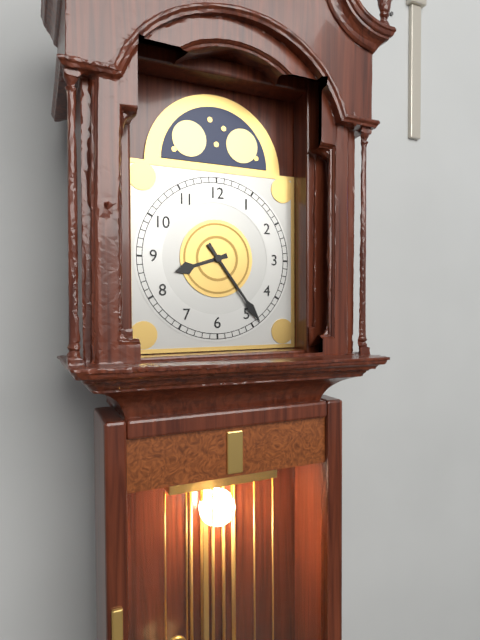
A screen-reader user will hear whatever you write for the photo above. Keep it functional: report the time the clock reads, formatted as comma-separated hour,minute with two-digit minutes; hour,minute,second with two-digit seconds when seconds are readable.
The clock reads 8,24
